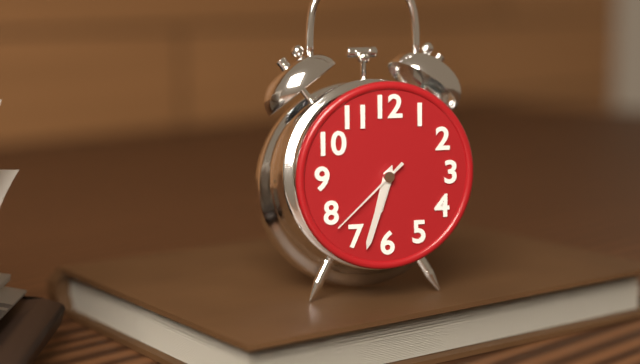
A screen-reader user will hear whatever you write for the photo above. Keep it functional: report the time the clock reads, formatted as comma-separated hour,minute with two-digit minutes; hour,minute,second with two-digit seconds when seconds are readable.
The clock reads 6,33,38
